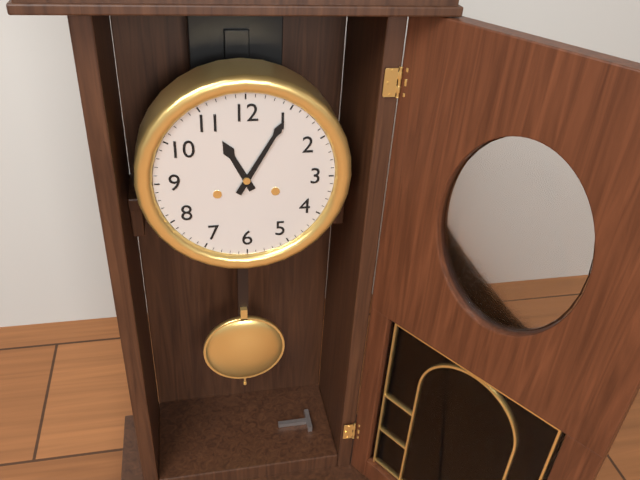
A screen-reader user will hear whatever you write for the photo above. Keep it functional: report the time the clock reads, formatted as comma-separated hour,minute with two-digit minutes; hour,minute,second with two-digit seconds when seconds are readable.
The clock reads 11,05
